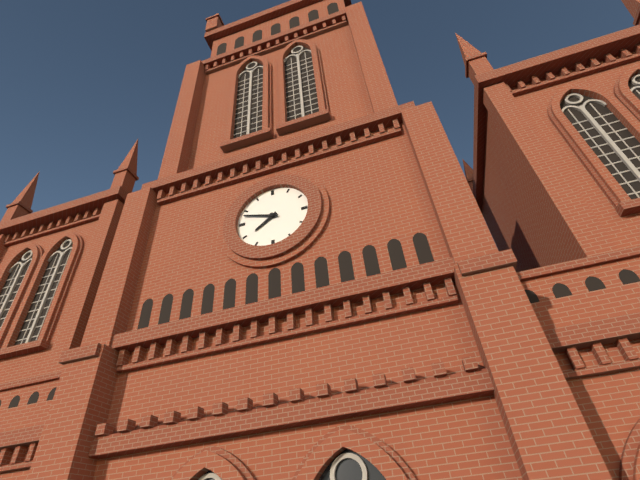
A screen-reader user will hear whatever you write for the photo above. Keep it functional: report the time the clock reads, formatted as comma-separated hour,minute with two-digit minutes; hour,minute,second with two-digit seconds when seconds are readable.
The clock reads 7,48
